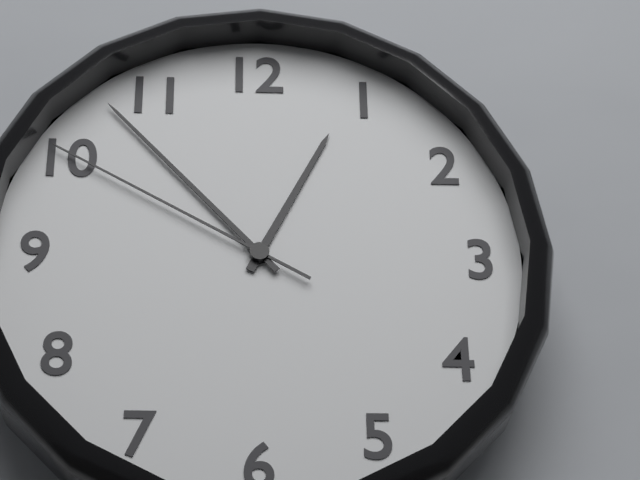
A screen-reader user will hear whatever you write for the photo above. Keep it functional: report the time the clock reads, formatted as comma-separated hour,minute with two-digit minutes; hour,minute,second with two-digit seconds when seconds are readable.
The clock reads 12,53,50
